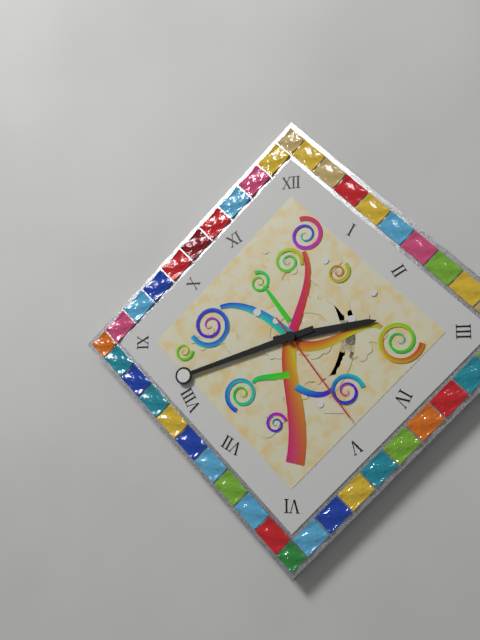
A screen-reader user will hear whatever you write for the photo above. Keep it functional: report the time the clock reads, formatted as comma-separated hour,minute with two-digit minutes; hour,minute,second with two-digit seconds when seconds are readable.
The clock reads 2,42,24
